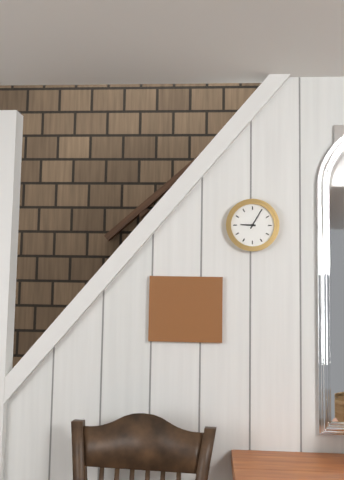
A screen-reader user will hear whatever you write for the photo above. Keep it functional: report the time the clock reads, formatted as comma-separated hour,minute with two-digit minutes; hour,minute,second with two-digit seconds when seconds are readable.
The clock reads 9,05
